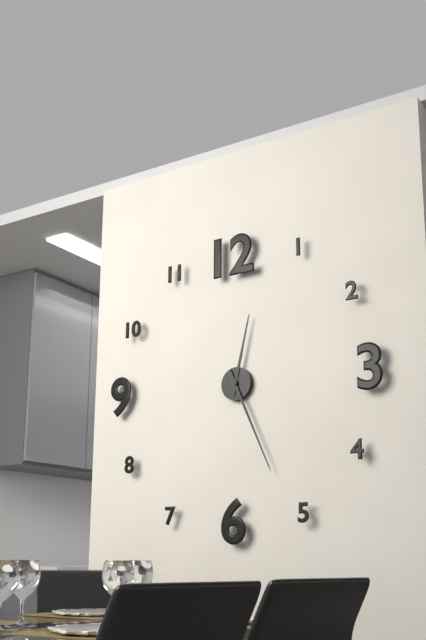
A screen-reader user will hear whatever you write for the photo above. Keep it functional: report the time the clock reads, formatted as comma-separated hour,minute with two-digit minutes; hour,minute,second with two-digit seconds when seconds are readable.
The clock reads 12,26
